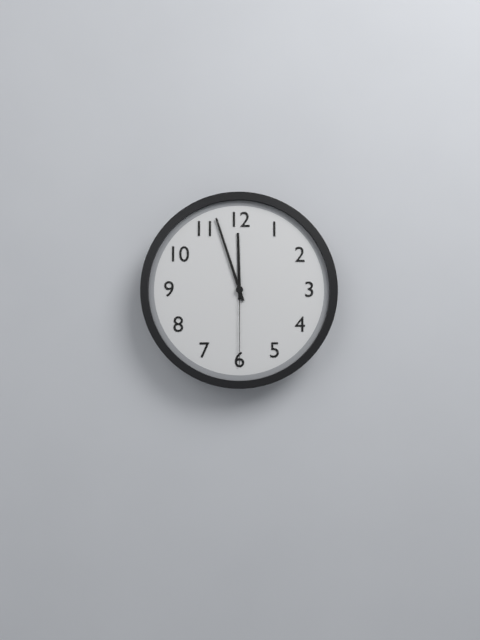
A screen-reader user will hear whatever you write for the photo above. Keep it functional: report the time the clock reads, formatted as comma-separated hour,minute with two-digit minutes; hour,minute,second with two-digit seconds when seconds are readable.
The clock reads 11,57,30
